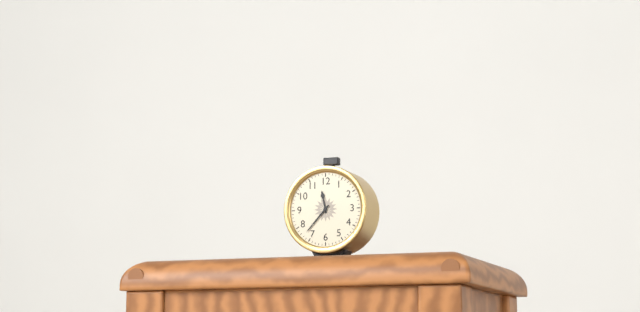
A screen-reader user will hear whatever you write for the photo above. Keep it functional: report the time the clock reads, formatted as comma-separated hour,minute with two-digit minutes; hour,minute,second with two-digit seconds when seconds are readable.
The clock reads 11,37
